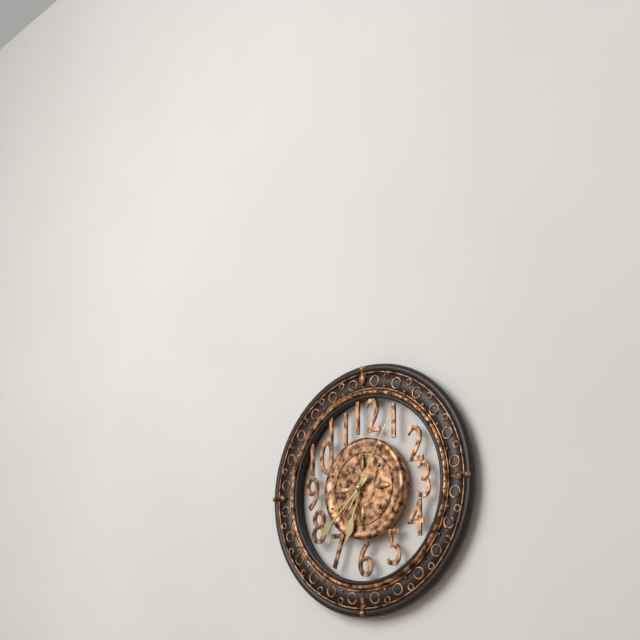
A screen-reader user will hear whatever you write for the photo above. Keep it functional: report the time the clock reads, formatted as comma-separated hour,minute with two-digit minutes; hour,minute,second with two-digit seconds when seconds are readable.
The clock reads 6,38,05
